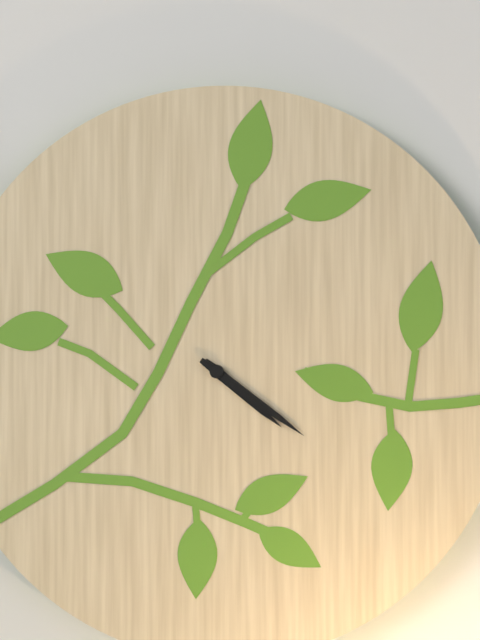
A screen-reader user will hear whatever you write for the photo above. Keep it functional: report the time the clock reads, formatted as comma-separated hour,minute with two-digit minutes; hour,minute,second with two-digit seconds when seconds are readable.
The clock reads 4,21
